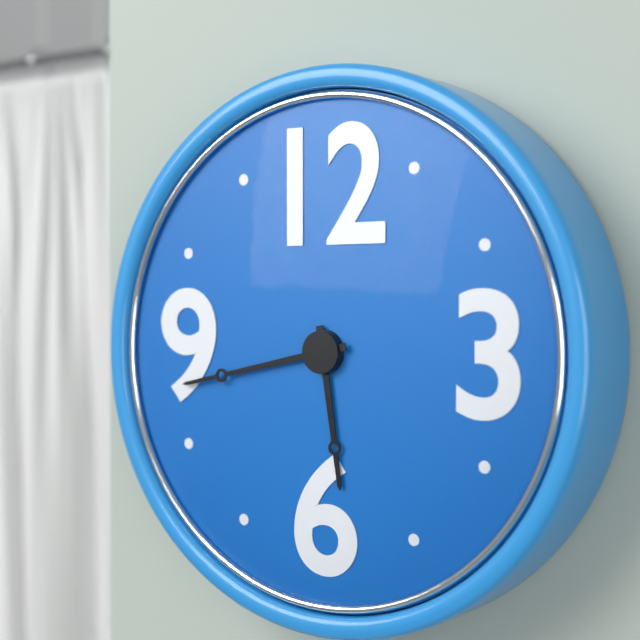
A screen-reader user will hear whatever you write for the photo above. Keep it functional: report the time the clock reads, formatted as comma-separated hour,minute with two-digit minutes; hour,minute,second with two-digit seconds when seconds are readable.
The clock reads 5,43
